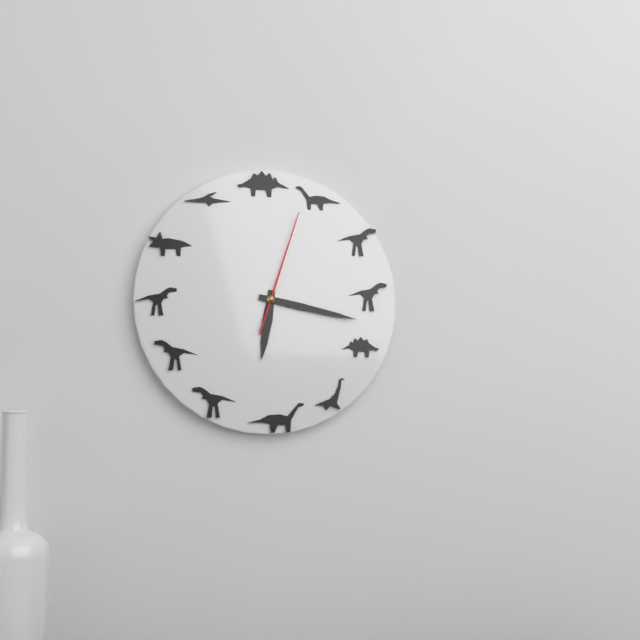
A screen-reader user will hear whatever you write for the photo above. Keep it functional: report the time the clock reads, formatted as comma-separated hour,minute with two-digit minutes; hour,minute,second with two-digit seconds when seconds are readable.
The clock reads 6,17,03
